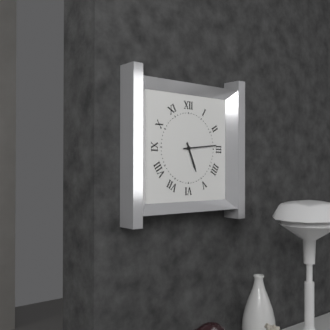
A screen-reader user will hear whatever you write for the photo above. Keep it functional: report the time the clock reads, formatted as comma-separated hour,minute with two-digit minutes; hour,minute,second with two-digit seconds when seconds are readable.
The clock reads 5,14
